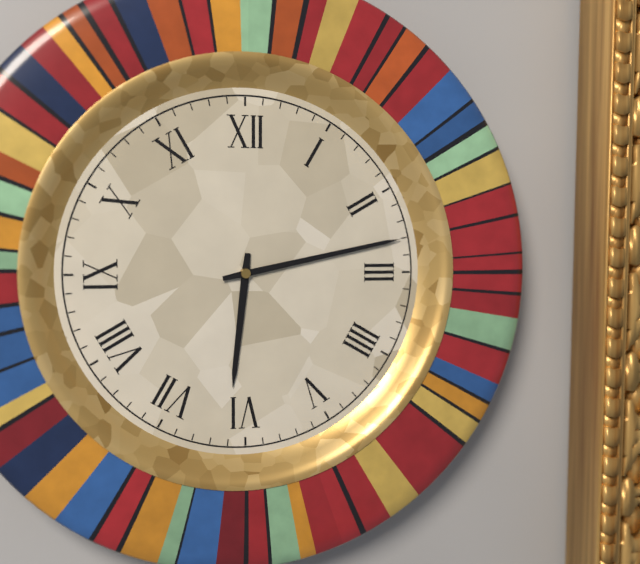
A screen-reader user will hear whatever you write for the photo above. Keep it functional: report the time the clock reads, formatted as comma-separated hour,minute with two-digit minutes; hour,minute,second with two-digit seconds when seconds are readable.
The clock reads 6,13
